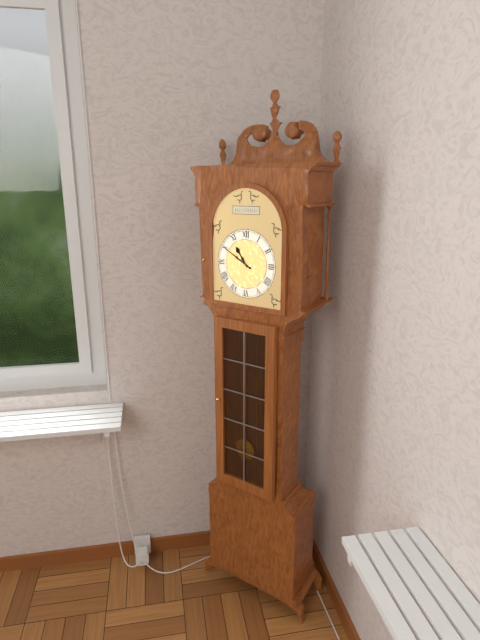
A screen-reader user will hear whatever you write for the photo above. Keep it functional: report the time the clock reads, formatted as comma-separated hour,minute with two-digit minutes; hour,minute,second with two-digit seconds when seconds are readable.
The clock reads 10,50
